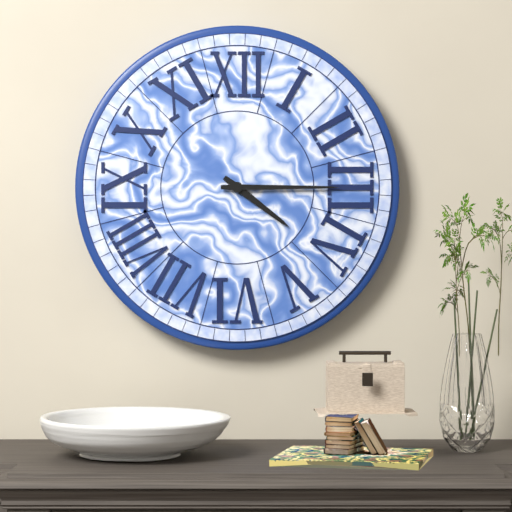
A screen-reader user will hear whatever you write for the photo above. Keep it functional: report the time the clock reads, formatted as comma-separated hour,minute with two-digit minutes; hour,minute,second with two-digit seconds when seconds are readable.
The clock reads 4,15
